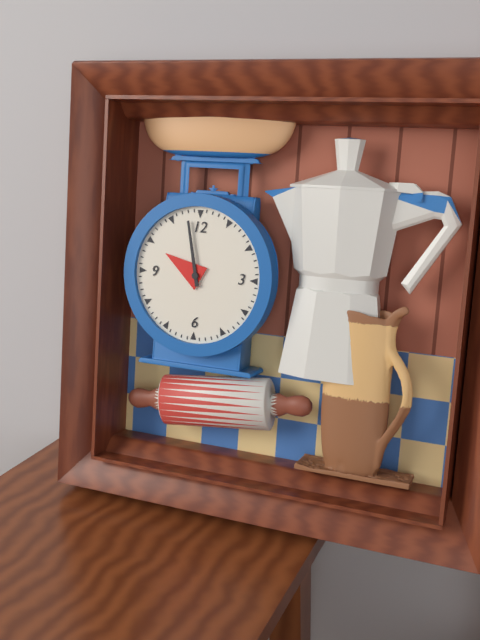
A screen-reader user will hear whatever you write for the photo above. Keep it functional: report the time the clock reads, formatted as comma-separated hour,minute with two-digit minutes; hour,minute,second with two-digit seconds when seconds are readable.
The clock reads 9,58
